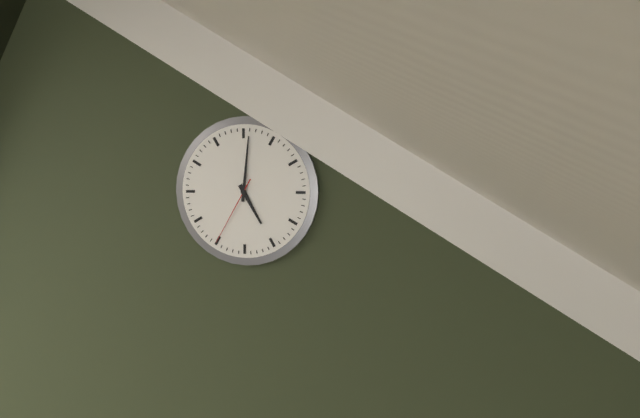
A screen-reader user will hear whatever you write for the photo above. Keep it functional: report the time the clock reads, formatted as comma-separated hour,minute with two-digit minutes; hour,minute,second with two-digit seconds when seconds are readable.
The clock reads 5,01,35
